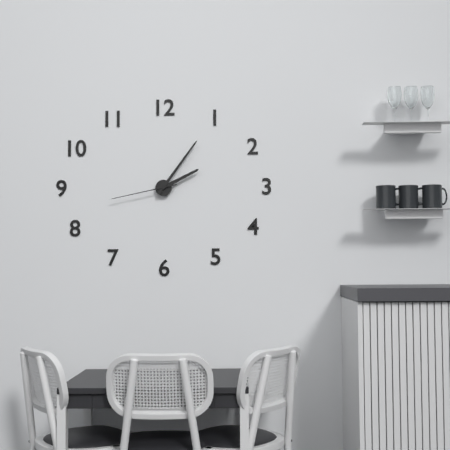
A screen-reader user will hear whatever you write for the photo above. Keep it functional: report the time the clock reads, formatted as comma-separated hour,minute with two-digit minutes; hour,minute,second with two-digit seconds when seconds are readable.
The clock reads 2,06,43
